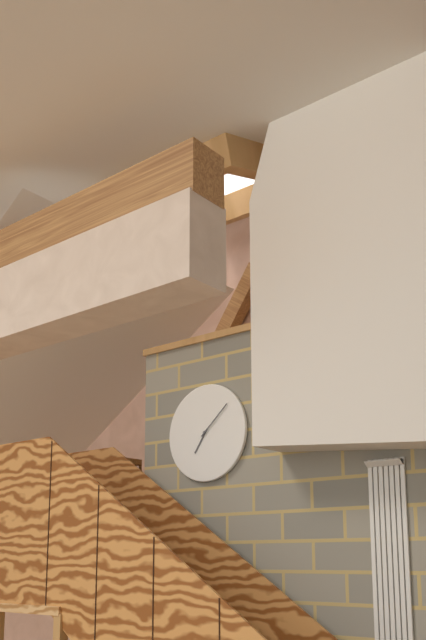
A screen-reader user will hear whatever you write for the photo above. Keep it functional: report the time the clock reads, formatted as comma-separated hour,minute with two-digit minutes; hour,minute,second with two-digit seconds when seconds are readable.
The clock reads 7,08
